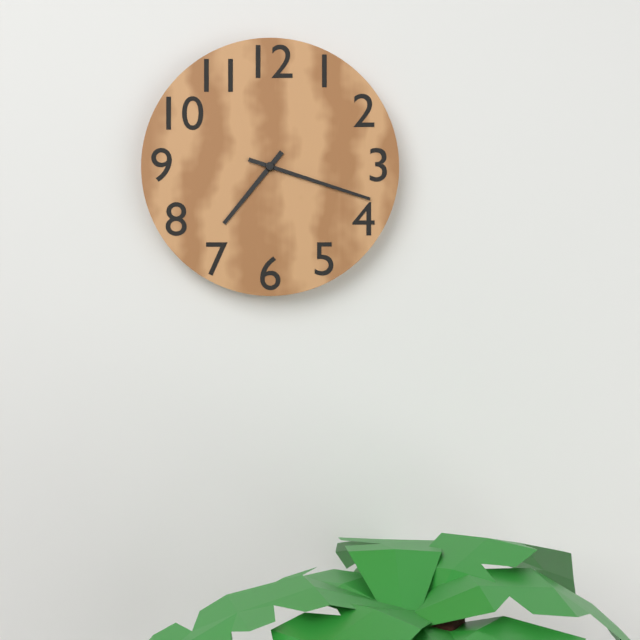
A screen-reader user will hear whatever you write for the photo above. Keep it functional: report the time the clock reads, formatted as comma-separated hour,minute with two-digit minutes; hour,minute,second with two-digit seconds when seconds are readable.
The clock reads 7,18
